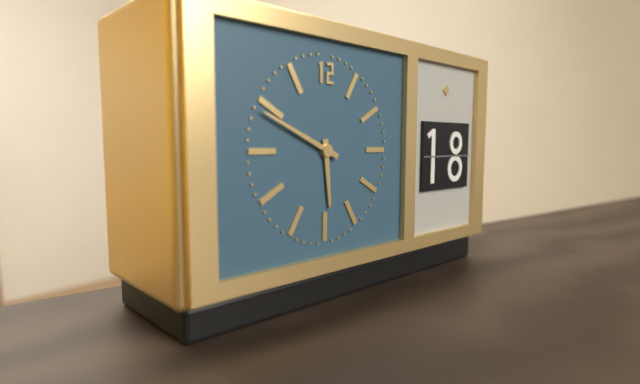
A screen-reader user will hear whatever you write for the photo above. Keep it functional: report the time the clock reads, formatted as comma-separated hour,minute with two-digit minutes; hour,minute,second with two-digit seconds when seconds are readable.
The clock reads 5,49
